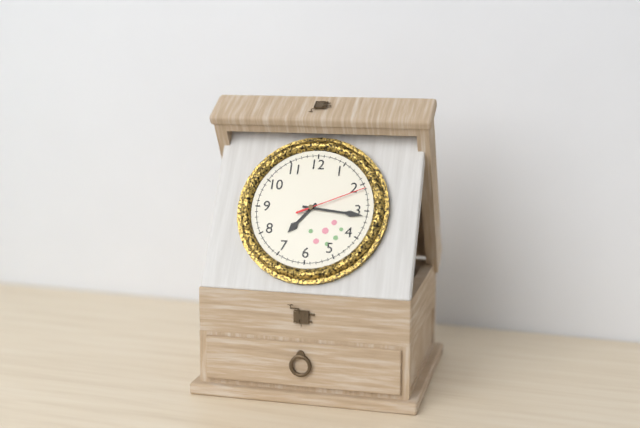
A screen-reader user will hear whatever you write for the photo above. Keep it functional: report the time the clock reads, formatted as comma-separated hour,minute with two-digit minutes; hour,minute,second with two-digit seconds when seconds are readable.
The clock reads 7,16,11
